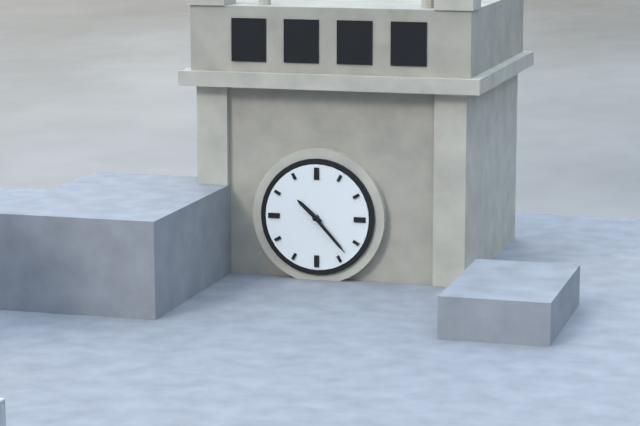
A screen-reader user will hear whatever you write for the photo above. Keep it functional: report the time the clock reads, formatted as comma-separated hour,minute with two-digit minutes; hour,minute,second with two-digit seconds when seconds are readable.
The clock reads 10,23
